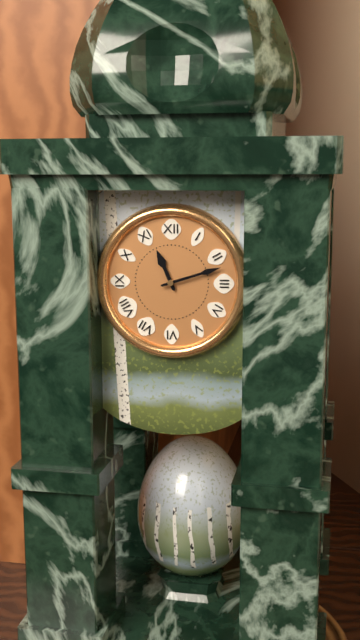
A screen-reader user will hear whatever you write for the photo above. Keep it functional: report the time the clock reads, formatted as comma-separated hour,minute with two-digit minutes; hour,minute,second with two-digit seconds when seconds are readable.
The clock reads 11,12
